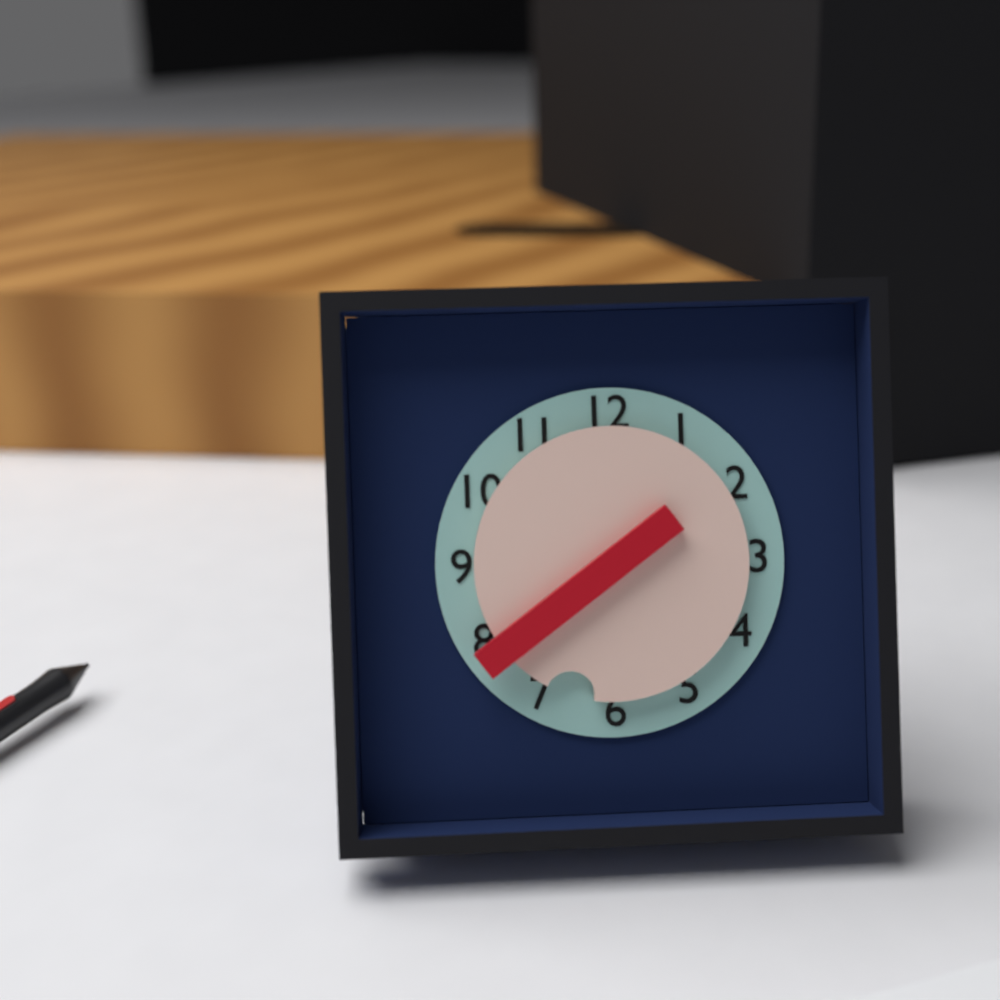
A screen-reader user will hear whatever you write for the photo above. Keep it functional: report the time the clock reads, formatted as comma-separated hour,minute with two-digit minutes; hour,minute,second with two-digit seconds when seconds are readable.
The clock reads 6,39
